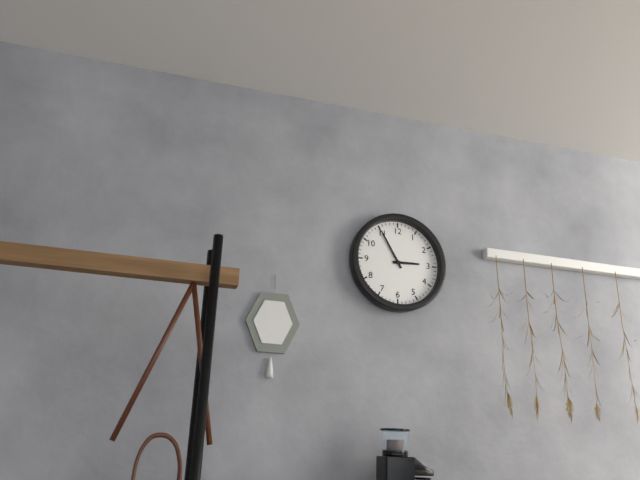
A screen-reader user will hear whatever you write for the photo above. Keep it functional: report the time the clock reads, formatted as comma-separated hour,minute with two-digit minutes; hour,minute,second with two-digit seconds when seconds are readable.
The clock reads 2,55
